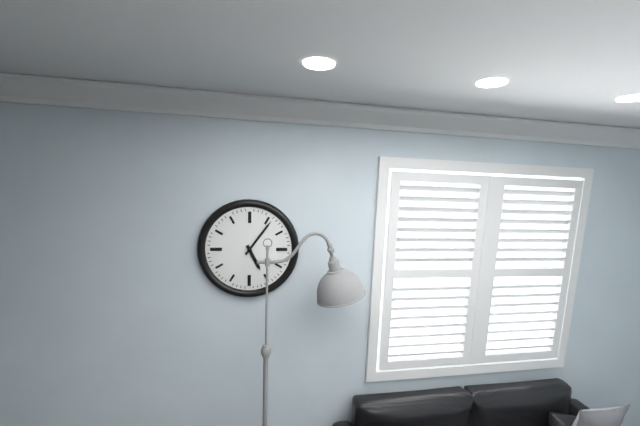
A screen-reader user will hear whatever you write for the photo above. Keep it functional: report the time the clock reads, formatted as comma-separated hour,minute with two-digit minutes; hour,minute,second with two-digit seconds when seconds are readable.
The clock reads 5,06
